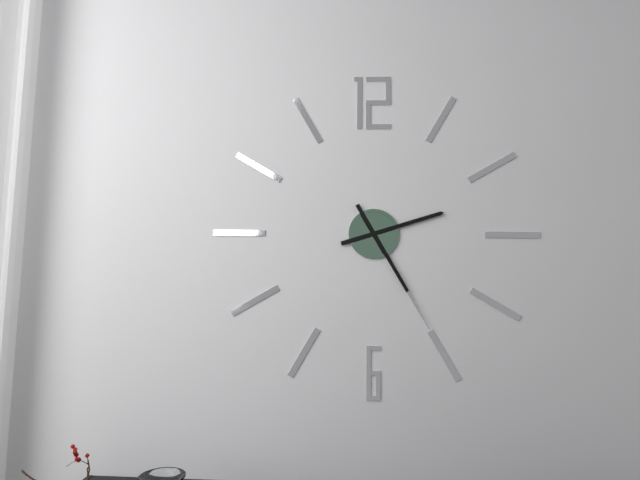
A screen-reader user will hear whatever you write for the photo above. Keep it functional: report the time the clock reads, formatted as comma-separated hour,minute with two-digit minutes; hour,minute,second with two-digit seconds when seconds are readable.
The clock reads 2,25
